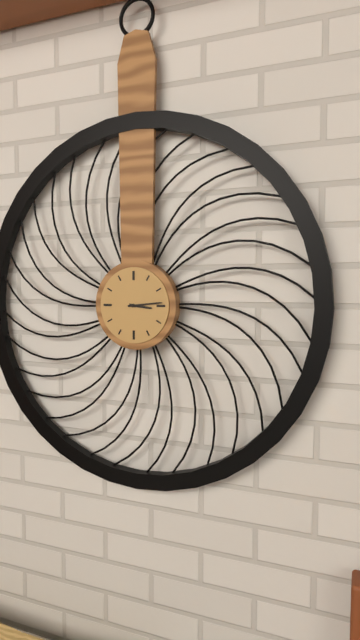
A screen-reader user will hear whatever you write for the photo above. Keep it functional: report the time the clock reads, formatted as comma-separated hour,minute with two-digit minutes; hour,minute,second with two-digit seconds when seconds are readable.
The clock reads 3,14
